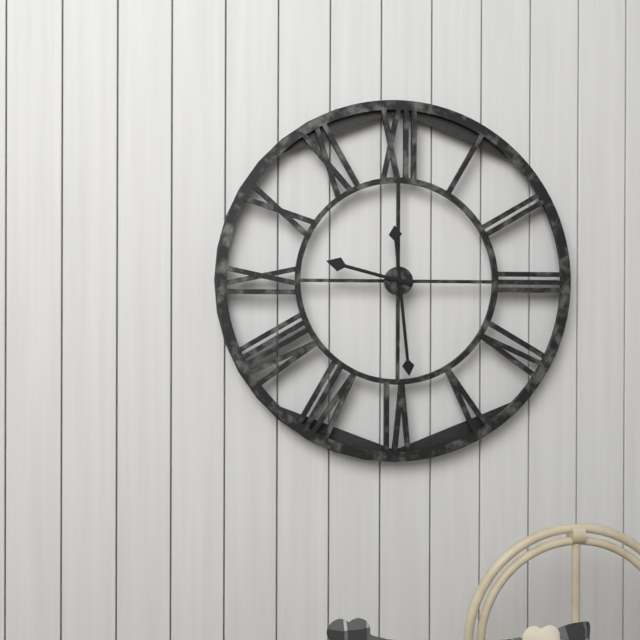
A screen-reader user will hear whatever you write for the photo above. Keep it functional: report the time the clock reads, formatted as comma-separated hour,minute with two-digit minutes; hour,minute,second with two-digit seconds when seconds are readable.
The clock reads 9,29
